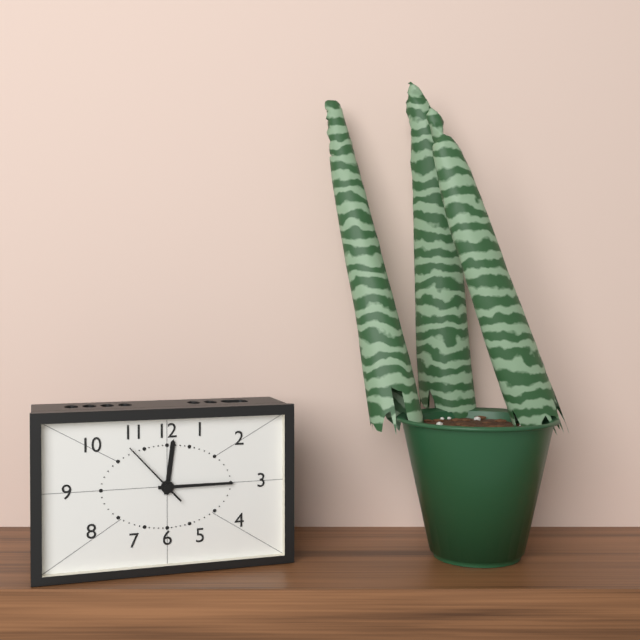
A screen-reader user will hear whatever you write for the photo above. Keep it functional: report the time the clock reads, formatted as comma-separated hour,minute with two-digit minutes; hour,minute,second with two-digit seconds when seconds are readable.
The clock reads 12,15,53
